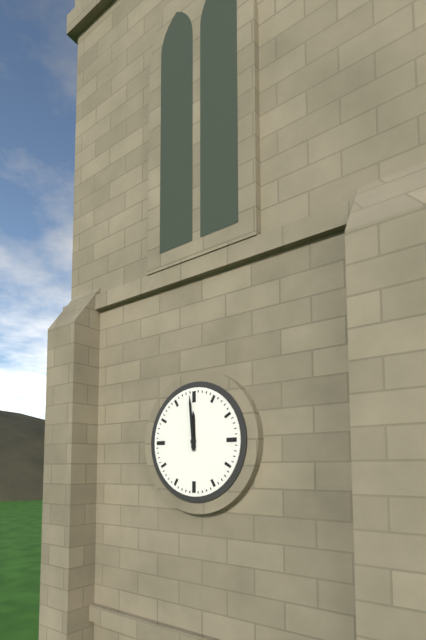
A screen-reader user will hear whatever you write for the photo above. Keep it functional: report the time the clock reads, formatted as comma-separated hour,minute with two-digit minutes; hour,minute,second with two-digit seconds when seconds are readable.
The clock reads 11,59
